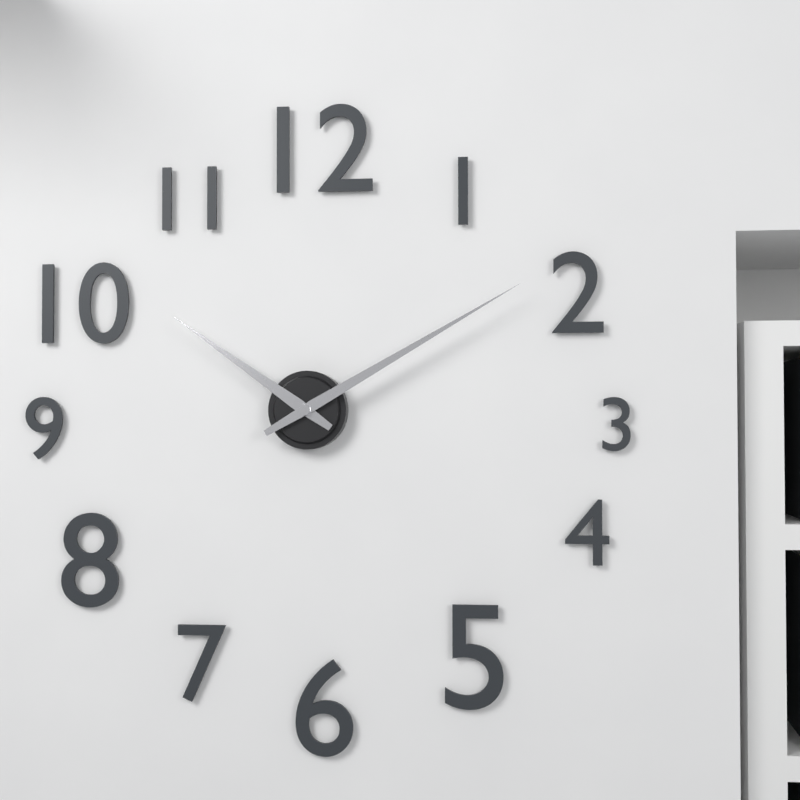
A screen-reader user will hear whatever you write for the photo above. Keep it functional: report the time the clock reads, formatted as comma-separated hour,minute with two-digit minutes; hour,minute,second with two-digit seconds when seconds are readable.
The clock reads 10,10
